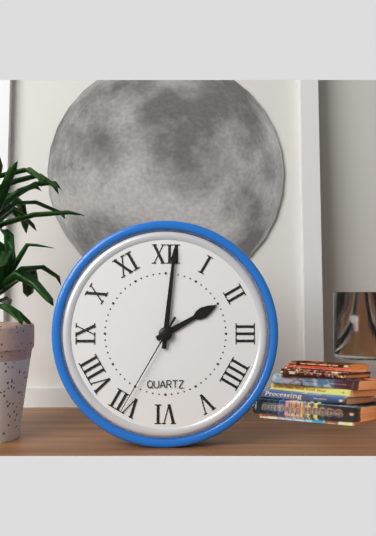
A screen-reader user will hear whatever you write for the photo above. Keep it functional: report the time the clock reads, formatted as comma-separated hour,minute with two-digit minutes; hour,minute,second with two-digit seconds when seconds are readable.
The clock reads 2,01,35
